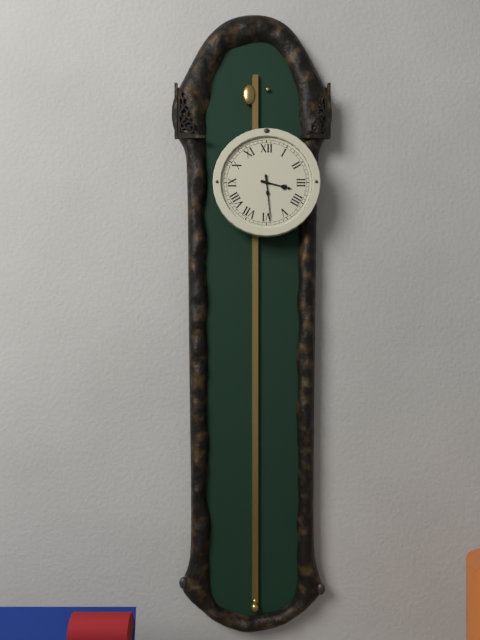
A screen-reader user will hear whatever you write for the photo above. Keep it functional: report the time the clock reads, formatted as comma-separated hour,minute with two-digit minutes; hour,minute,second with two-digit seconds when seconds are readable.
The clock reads 3,29
